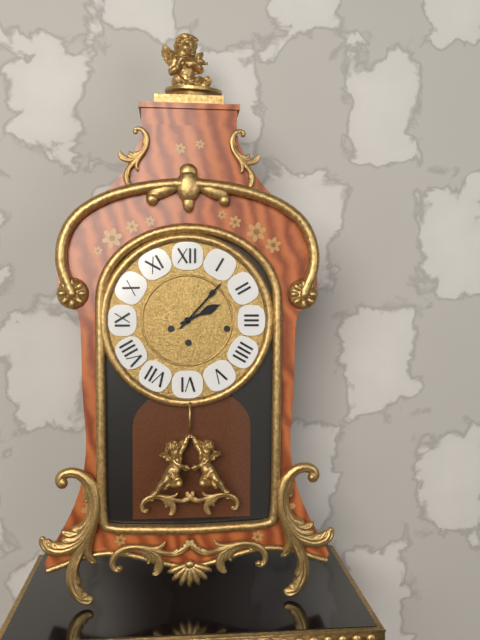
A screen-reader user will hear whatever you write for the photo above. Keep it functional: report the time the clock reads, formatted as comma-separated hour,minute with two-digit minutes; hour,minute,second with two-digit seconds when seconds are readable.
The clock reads 2,07
